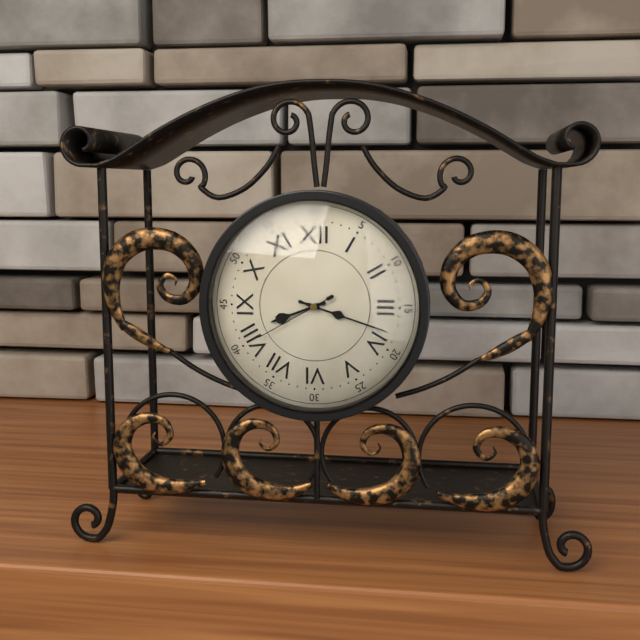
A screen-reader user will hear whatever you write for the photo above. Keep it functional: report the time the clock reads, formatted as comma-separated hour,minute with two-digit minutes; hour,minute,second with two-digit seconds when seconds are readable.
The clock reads 8,18,40
